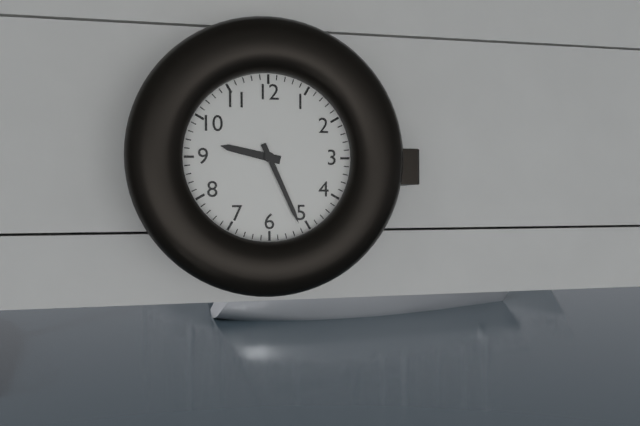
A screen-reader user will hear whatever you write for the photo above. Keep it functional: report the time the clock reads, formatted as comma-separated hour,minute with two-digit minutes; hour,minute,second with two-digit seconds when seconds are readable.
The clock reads 9,26
